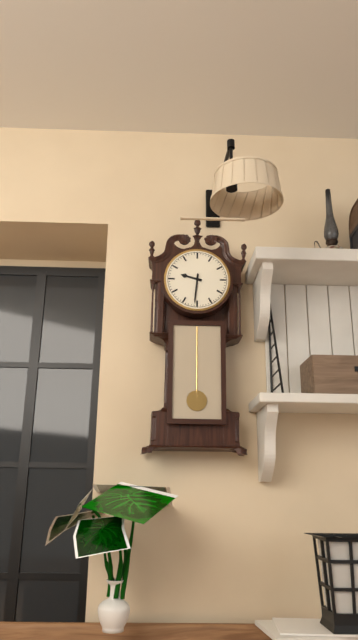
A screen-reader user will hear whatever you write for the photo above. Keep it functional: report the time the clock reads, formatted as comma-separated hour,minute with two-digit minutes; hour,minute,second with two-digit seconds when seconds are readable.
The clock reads 9,31
